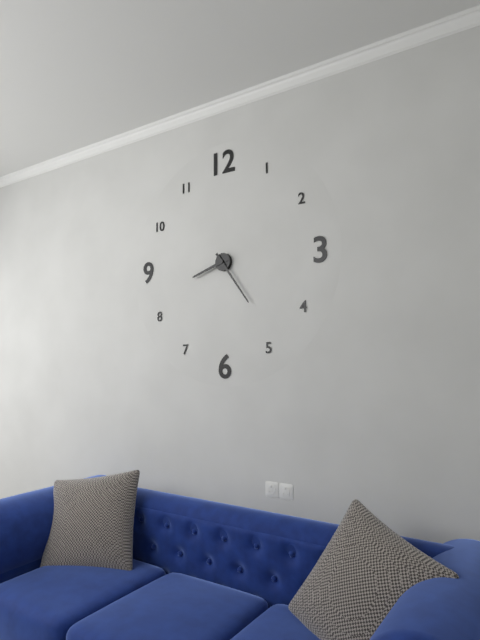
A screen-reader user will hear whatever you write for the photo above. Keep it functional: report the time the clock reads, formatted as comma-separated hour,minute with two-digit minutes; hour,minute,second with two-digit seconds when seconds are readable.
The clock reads 8,24
